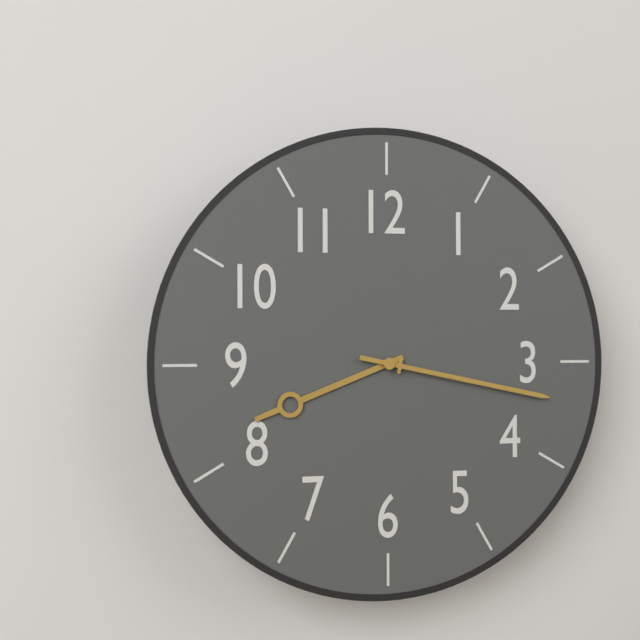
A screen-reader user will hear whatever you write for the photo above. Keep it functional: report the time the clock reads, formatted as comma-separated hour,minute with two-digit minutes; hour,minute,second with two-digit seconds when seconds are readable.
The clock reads 8,17
